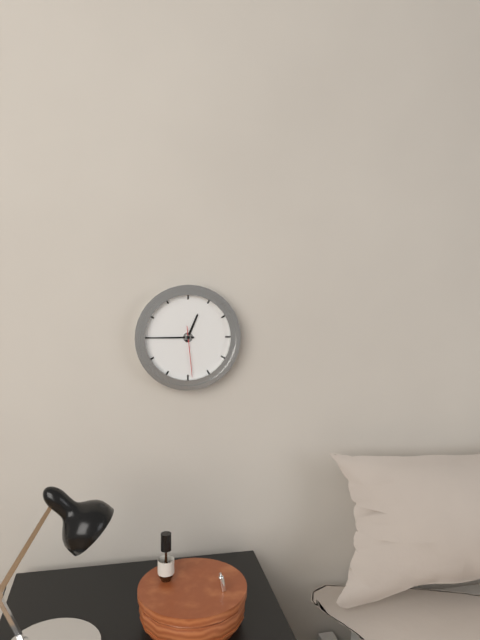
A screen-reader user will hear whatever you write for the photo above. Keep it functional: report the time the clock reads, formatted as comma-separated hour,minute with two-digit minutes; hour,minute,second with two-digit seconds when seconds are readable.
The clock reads 12,45,29
